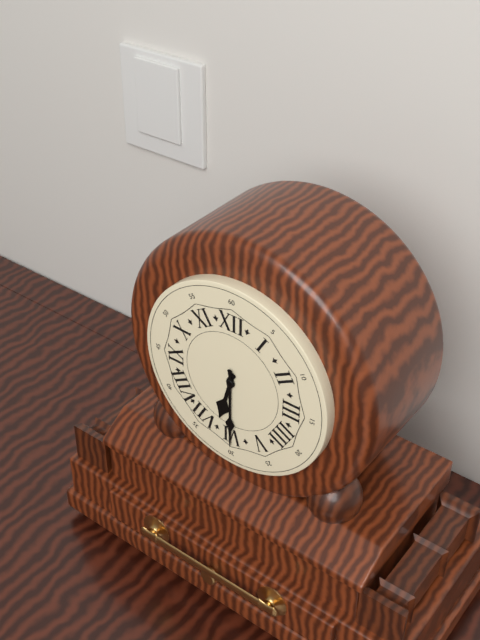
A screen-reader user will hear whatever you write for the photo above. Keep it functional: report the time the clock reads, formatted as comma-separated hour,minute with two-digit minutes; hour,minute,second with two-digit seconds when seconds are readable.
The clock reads 6,30
